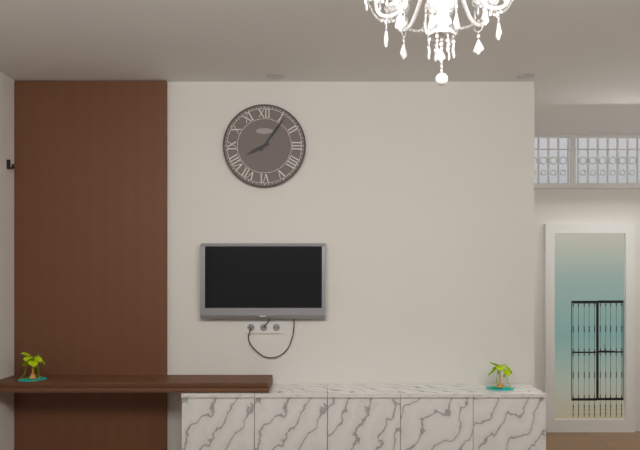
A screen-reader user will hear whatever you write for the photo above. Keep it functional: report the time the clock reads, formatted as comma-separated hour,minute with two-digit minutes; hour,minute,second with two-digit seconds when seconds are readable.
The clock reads 8,06
